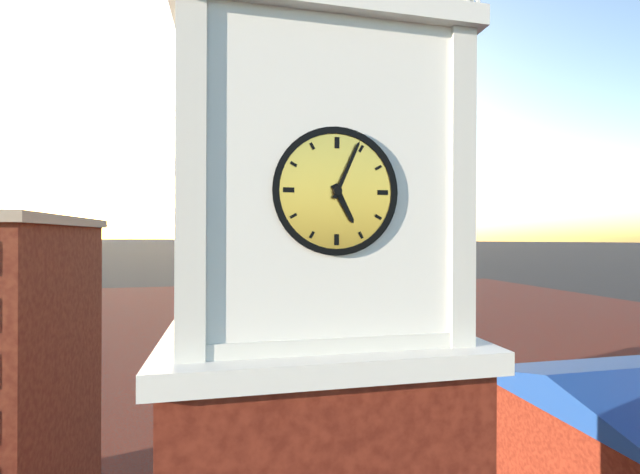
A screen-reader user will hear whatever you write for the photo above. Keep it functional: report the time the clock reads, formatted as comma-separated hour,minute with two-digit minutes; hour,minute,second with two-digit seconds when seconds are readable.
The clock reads 5,04
